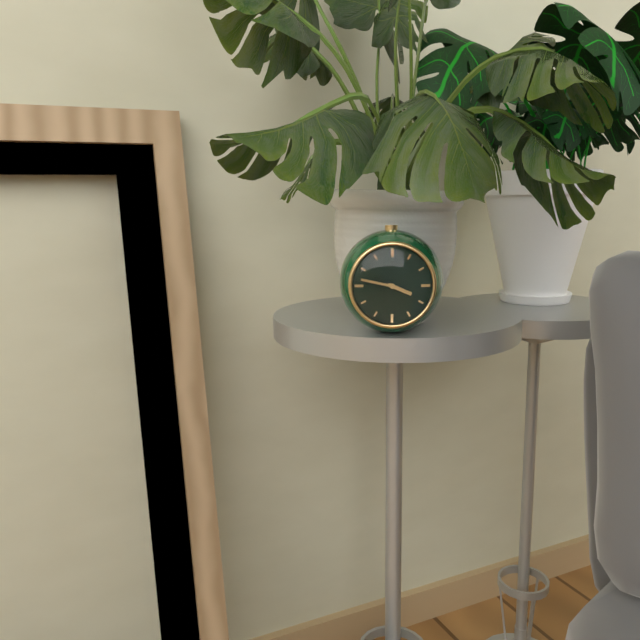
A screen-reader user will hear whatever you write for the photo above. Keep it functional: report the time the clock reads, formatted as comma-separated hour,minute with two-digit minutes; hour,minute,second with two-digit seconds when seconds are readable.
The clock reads 3,47
